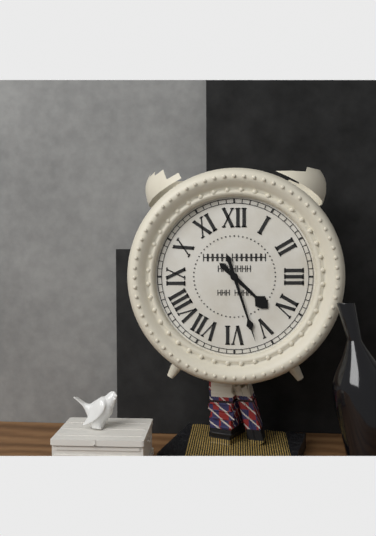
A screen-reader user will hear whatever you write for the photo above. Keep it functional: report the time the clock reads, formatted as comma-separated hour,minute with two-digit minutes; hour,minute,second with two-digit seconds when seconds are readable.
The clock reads 4,27
